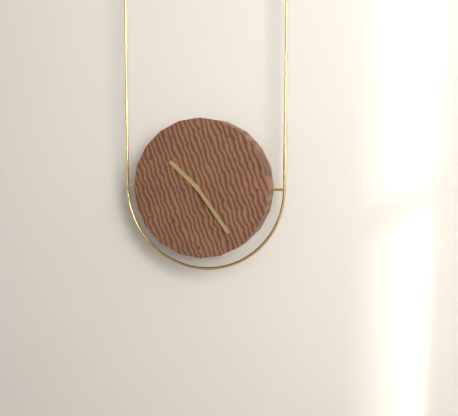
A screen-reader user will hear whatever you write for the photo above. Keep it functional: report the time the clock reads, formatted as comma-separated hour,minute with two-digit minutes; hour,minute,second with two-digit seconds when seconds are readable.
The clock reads 10,24
